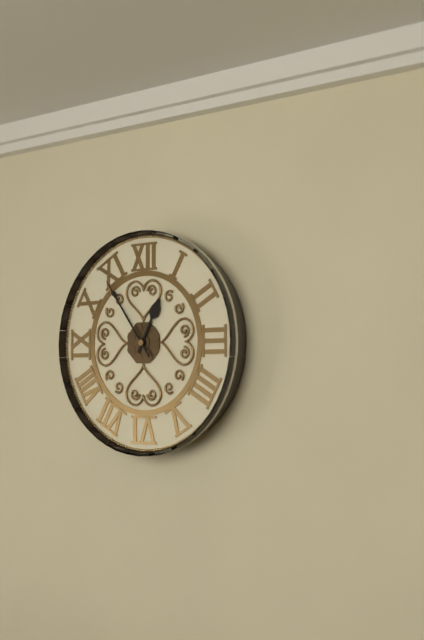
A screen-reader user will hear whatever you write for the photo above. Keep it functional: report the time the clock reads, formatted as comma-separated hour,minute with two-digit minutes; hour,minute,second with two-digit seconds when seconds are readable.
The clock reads 12,54
